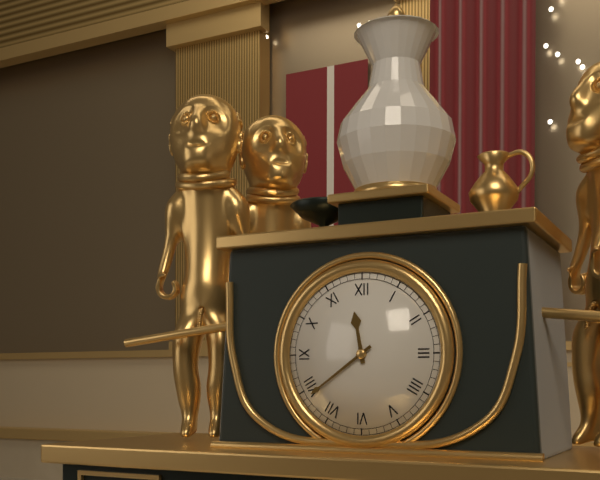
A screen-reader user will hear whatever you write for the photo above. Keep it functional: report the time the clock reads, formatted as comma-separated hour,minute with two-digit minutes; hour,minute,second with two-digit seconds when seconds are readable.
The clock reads 11,39
